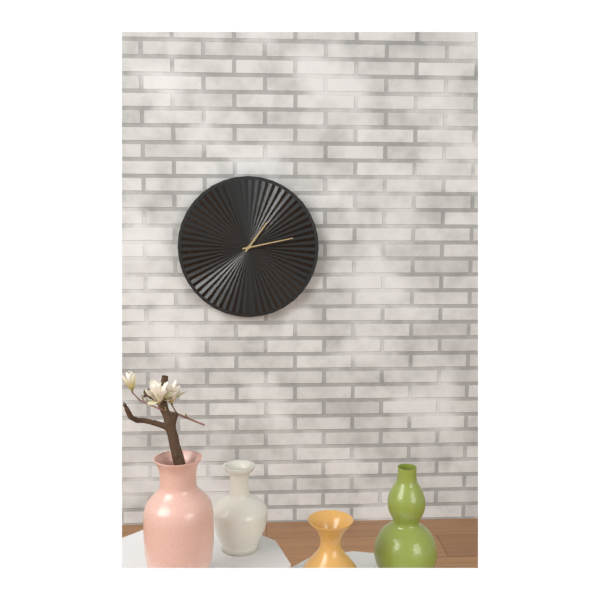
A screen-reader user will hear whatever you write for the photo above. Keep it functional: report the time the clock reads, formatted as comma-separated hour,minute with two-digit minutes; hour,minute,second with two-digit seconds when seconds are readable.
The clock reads 1,13
